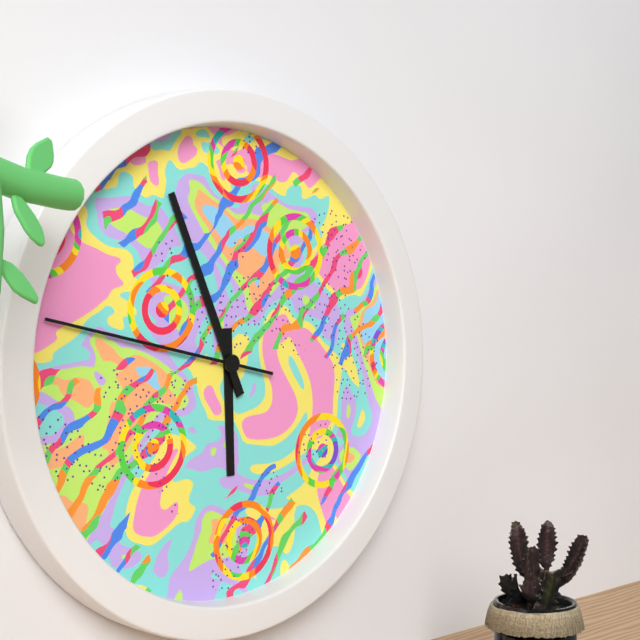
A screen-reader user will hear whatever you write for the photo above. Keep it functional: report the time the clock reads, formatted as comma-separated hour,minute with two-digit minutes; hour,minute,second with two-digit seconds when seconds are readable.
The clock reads 5,56,47
